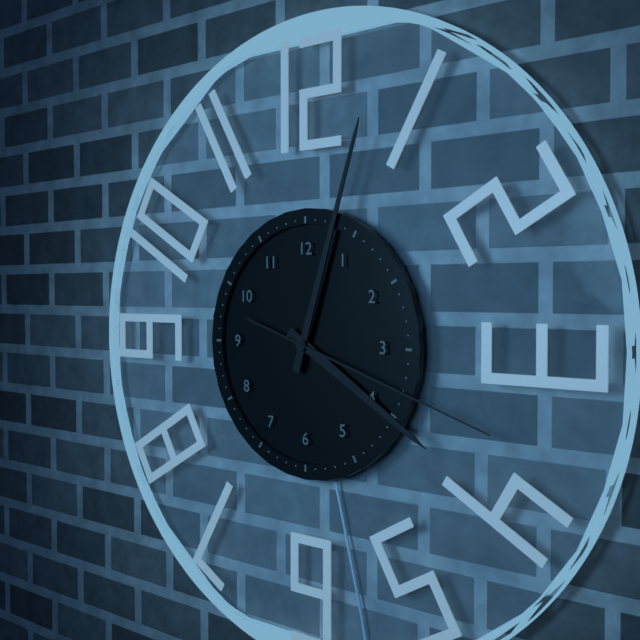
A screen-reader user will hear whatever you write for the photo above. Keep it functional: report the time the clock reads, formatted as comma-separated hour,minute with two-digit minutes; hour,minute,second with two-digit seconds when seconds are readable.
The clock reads 4,03,18
